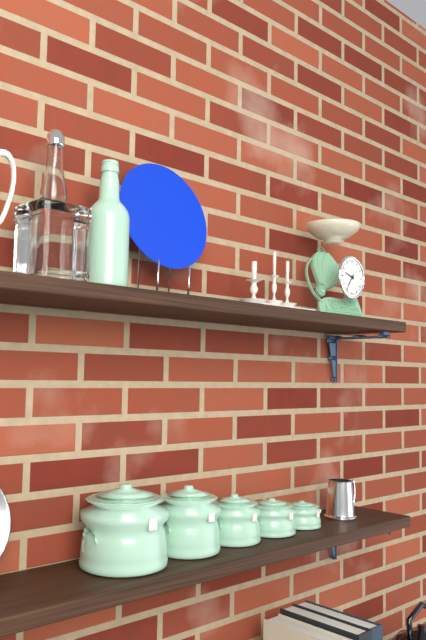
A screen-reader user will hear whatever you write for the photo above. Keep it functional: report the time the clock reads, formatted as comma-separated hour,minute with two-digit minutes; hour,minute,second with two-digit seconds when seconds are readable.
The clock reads 9,36
